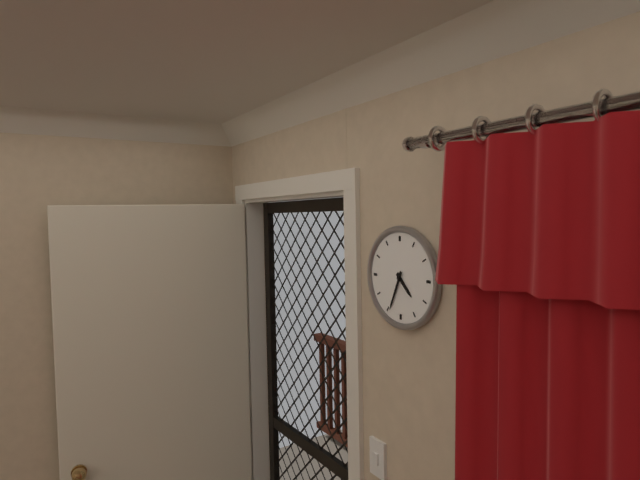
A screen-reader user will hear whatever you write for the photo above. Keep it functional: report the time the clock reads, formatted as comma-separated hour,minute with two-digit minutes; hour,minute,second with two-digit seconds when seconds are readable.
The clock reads 4,34
